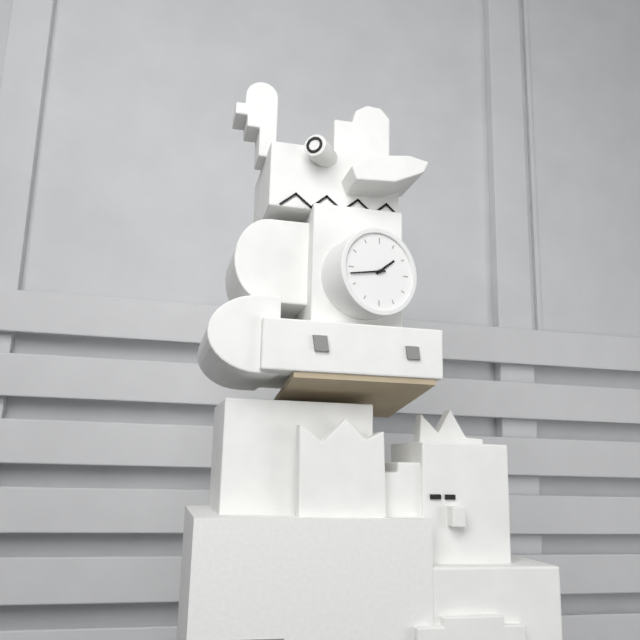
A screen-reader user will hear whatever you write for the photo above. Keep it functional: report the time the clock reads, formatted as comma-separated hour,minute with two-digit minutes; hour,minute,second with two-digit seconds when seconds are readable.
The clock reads 1,43
